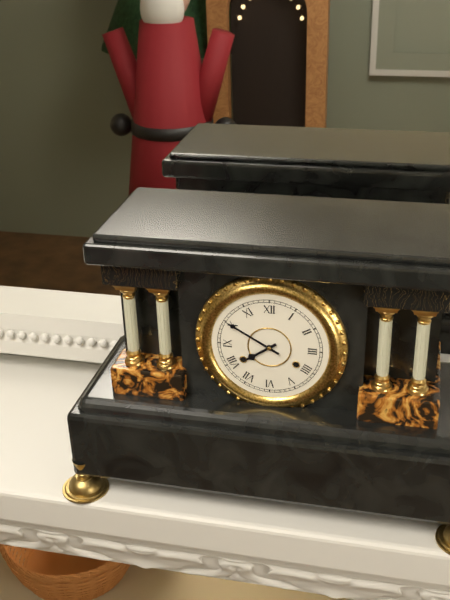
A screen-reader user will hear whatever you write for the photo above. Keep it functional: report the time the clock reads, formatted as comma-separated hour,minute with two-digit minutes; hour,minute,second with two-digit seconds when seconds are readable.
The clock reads 7,50
